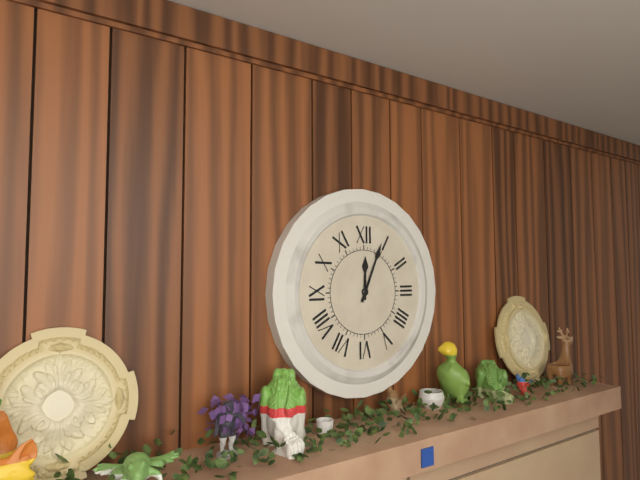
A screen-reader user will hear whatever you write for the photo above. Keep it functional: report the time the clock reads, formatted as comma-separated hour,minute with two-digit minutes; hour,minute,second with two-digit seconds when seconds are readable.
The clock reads 12,04
